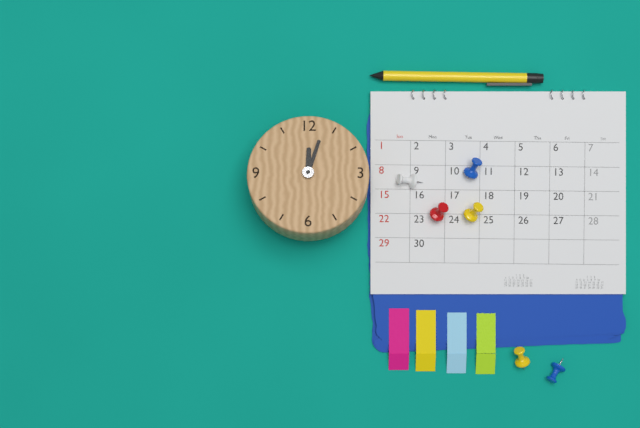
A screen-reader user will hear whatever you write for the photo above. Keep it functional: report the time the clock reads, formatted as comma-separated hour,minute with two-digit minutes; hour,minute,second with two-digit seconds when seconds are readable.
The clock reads 12,03
